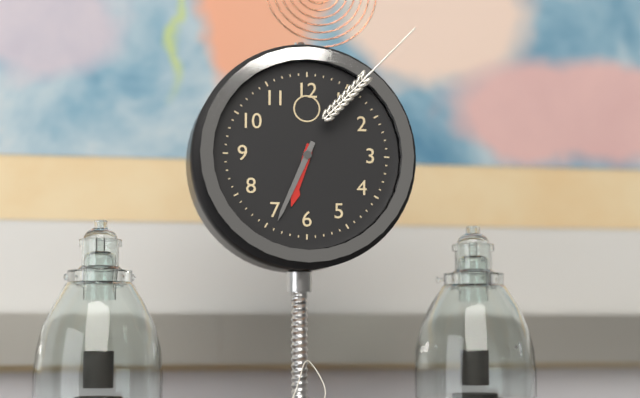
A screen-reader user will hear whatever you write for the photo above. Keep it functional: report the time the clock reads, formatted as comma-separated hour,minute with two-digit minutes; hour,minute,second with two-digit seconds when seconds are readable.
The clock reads 6,34
